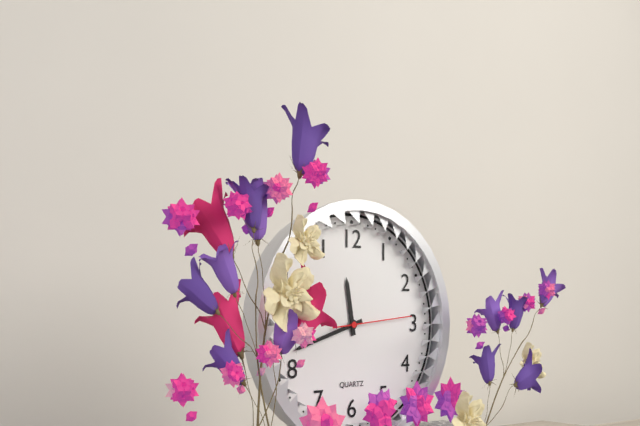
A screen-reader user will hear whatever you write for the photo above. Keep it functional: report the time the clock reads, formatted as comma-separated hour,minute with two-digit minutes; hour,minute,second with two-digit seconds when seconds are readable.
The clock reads 11,42,14
